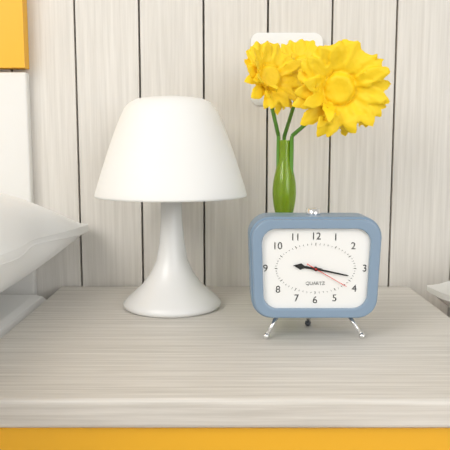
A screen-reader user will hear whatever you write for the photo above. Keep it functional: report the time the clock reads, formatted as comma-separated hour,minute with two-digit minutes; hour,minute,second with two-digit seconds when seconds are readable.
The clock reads 9,17
